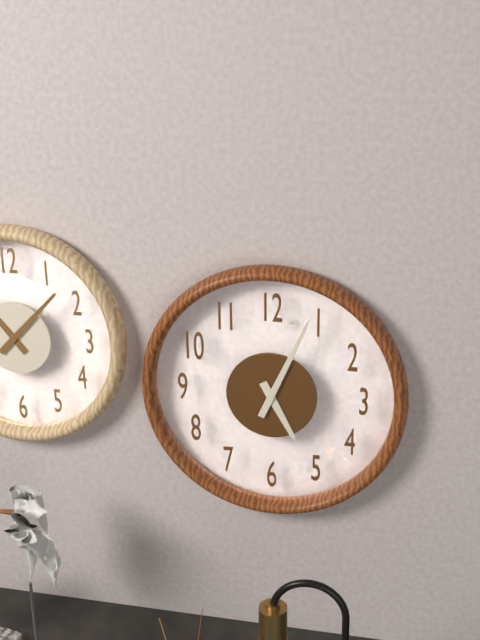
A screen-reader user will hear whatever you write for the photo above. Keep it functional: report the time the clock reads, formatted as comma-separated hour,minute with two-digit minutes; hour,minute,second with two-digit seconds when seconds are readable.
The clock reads 5,04
